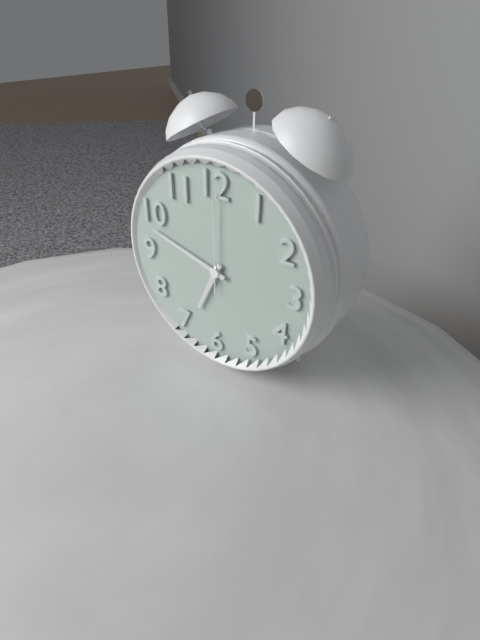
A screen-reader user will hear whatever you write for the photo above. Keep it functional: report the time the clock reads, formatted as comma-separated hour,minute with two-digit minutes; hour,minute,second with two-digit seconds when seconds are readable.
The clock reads 6,48,00
